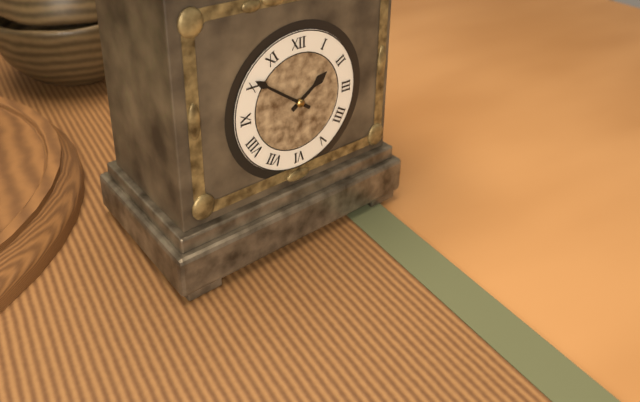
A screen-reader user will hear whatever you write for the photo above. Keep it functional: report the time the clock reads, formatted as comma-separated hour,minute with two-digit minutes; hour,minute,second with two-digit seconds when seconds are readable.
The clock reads 1,51
